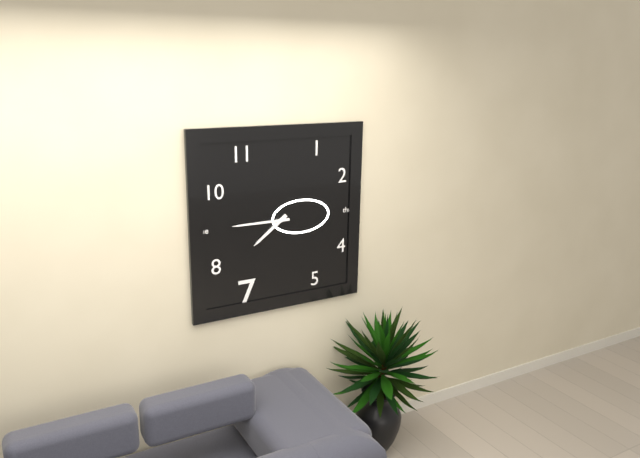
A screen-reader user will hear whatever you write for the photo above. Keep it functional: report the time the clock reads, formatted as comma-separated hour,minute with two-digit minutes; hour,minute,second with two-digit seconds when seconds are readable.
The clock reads 7,45
